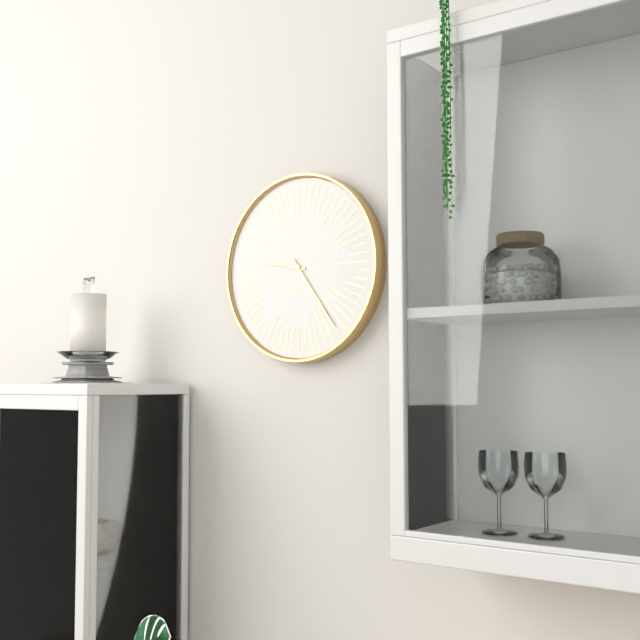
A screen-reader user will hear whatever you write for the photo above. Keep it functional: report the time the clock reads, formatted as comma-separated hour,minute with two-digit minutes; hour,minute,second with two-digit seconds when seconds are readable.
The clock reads 9,24
